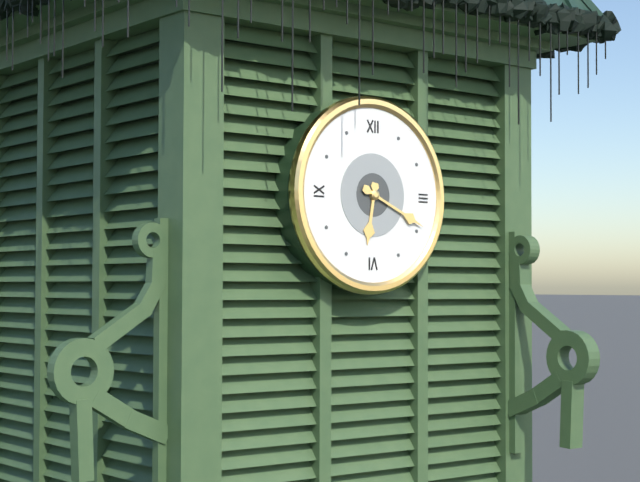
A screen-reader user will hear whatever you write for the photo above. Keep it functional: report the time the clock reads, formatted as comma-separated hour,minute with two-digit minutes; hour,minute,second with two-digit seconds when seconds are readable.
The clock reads 6,19
